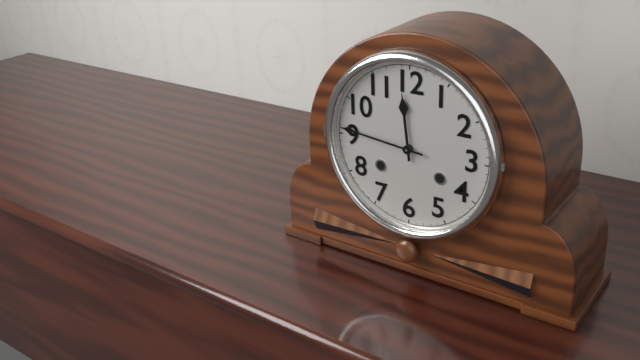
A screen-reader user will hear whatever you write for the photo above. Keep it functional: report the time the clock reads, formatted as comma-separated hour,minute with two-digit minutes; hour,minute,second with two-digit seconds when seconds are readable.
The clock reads 11,46
